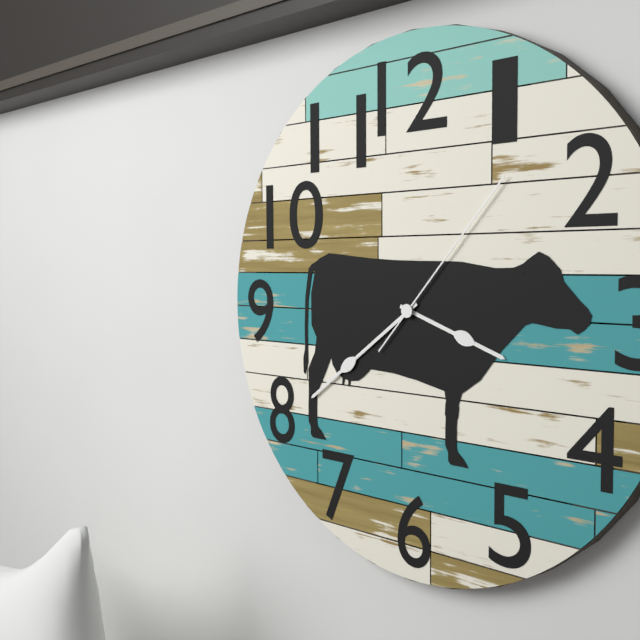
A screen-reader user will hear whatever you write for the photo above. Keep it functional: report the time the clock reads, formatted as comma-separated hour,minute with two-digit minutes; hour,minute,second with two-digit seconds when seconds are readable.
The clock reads 3,39,07
